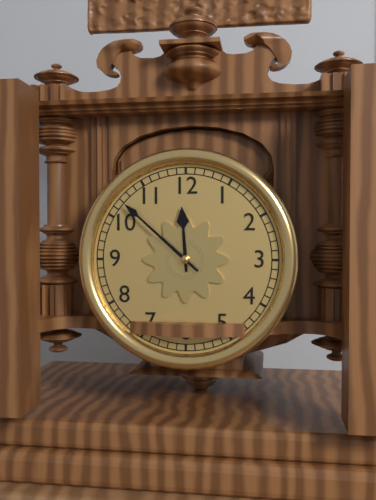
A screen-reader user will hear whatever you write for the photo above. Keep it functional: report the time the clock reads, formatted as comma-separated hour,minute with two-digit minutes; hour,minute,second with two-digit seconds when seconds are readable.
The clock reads 11,52
